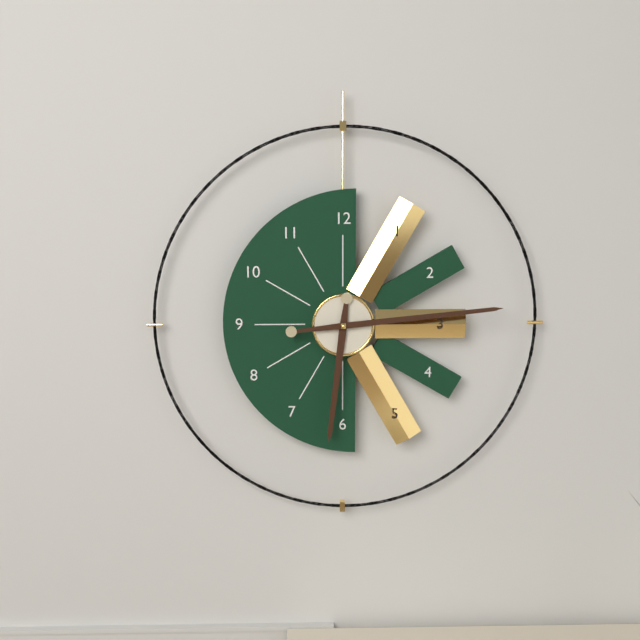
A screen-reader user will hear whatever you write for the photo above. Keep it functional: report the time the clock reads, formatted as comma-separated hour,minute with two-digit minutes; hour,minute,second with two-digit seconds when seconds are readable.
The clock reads 6,14
